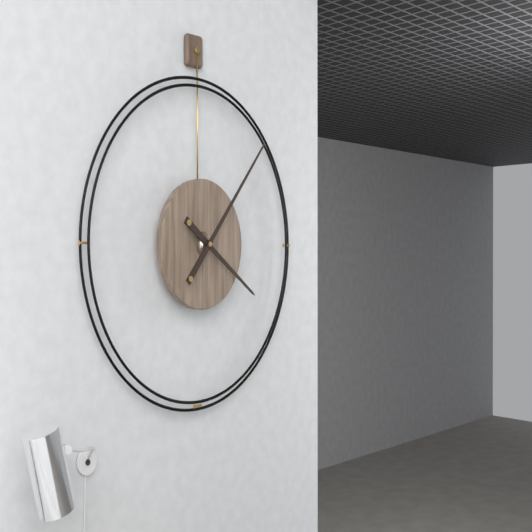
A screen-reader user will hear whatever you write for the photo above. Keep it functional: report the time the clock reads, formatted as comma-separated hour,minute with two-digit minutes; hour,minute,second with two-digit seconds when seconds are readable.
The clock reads 4,07
